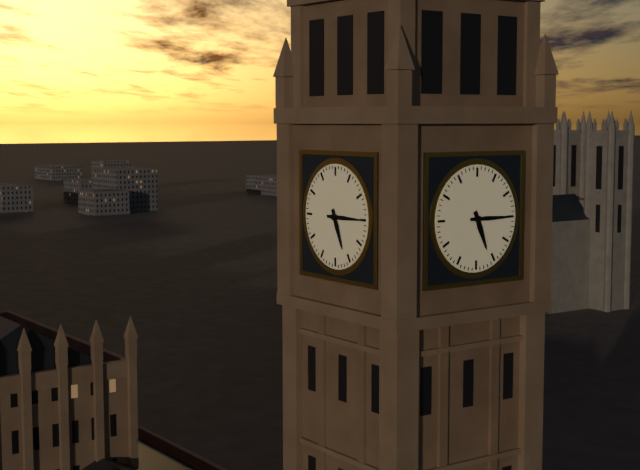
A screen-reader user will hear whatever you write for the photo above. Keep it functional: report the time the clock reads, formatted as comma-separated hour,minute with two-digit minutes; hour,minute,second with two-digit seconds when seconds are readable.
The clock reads 5,15
